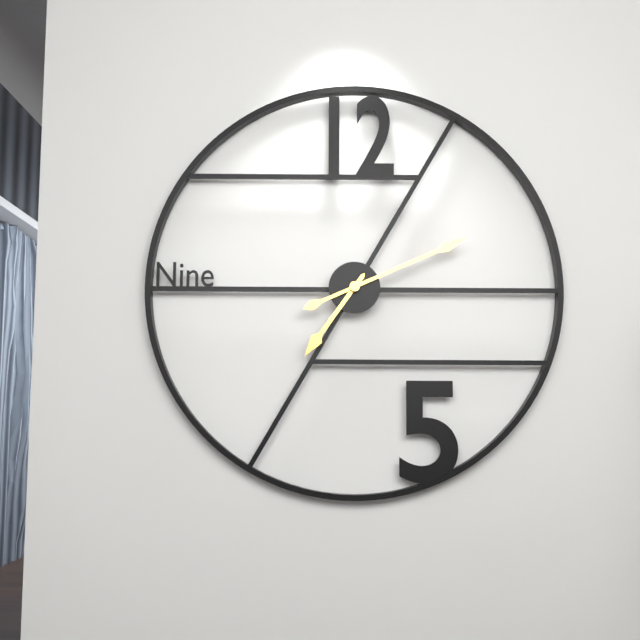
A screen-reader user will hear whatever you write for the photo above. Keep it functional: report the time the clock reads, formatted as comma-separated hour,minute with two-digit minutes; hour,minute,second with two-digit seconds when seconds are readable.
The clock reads 7,11
